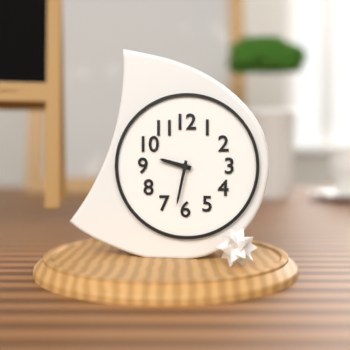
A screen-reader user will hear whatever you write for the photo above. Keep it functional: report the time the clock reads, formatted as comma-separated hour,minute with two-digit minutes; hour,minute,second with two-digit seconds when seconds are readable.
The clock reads 9,32
